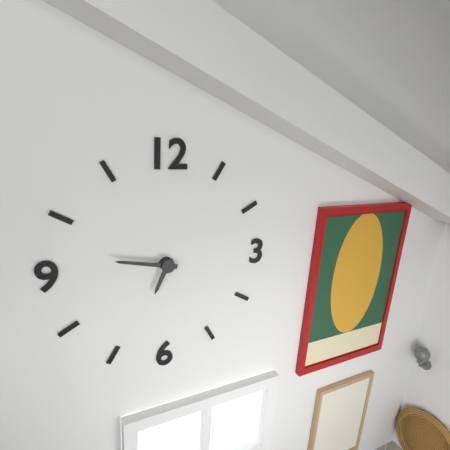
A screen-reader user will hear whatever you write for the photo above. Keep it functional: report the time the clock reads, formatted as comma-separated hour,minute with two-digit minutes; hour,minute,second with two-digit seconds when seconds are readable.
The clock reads 6,47
